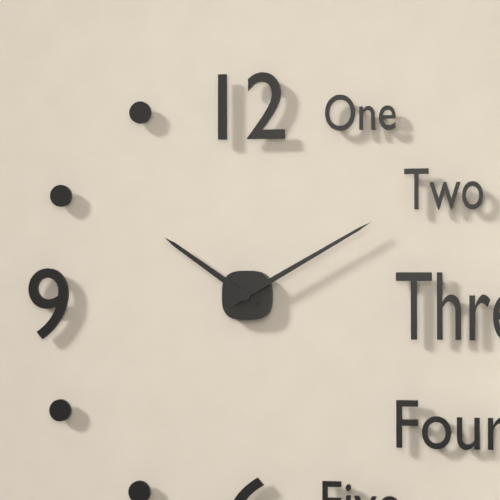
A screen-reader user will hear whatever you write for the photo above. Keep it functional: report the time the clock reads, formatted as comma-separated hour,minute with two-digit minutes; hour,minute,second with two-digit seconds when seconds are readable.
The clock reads 10,10
